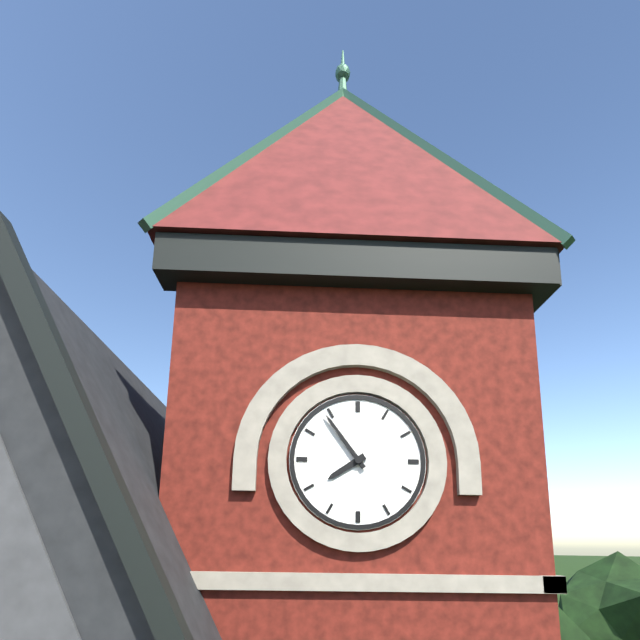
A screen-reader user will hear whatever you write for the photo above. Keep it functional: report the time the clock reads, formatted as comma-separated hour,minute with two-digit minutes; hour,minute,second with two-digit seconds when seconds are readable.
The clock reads 7,54
